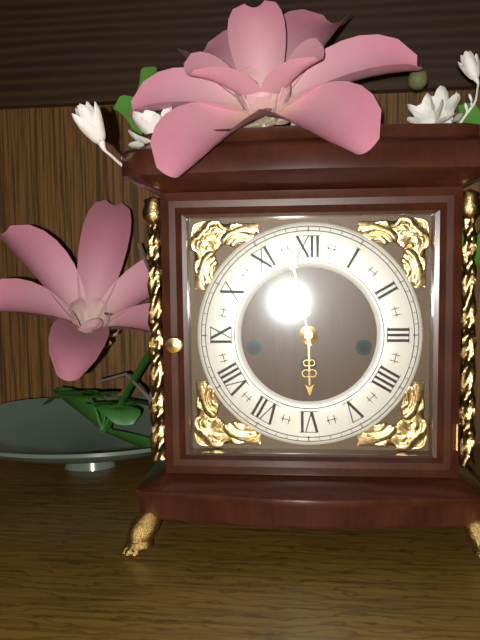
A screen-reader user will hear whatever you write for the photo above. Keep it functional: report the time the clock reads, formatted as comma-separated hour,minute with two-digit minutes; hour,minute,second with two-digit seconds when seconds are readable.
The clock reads 5,58
